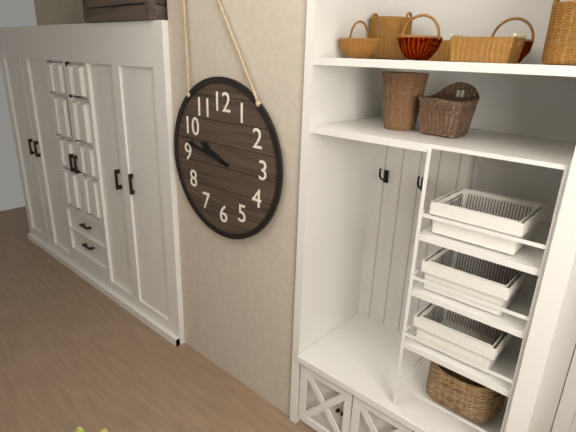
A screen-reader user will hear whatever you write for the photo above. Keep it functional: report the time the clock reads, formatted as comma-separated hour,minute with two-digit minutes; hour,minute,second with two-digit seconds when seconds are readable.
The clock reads 9,47
